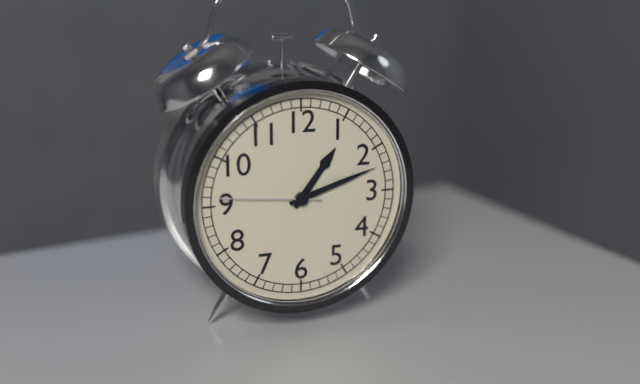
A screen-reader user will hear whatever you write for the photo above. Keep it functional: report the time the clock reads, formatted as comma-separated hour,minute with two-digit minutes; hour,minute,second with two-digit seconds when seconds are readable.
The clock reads 1,12,46
